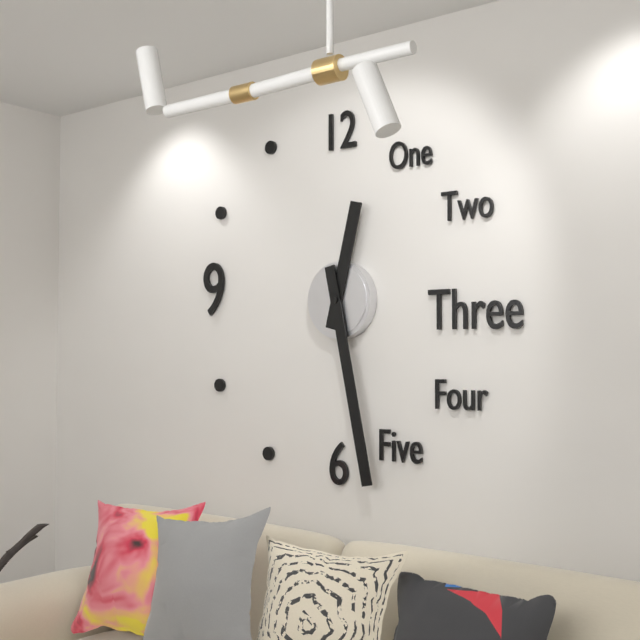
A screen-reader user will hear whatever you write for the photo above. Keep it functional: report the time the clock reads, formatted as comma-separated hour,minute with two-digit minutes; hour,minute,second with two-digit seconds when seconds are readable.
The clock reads 12,28
